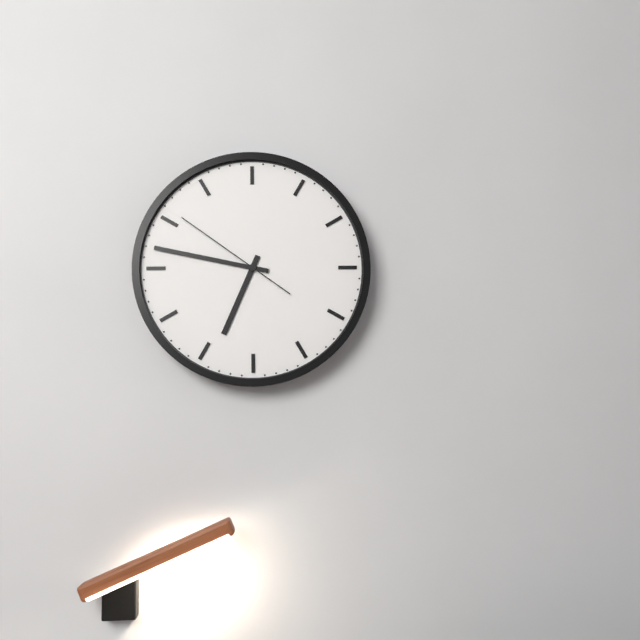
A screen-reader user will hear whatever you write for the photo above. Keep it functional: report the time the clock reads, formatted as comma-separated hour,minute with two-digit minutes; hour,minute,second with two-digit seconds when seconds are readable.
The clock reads 6,47,51
